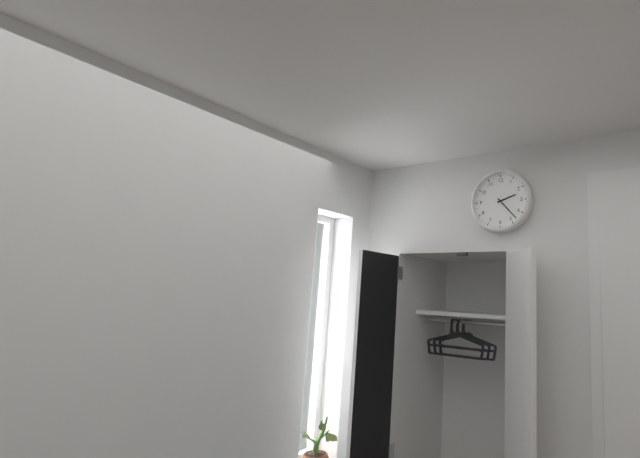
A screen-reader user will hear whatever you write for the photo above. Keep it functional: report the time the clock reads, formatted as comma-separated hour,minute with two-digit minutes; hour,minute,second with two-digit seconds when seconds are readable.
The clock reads 2,23
